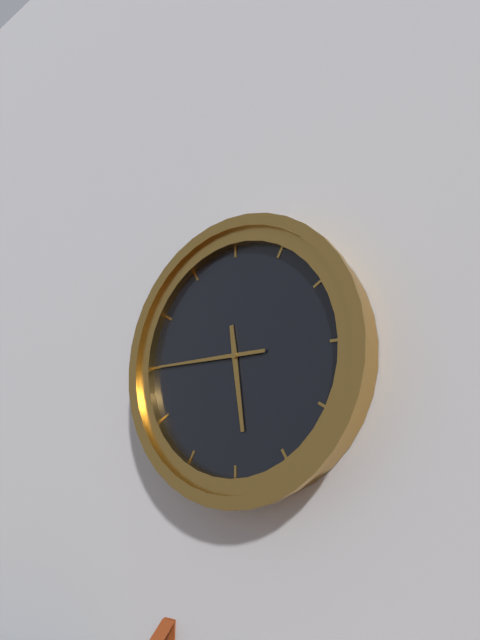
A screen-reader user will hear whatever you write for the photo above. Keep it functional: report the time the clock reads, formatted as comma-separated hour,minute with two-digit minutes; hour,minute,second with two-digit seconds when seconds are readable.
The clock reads 5,45
